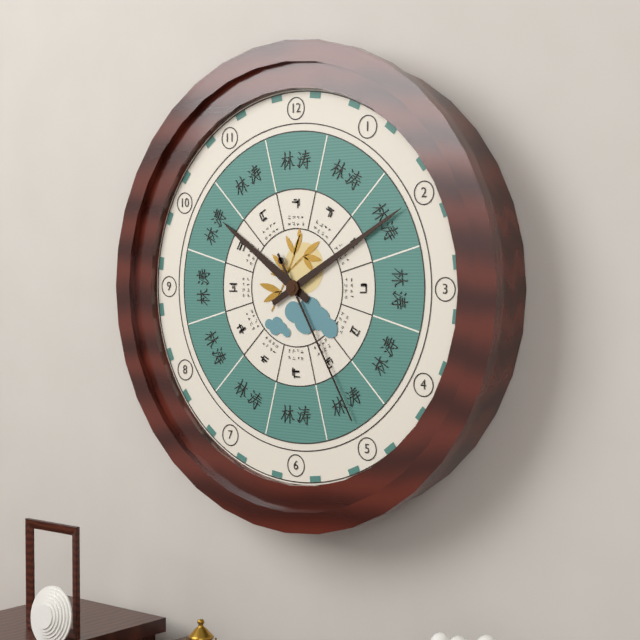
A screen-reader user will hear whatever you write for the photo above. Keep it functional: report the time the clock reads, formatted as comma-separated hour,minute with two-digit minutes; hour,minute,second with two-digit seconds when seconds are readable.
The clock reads 10,10,25
